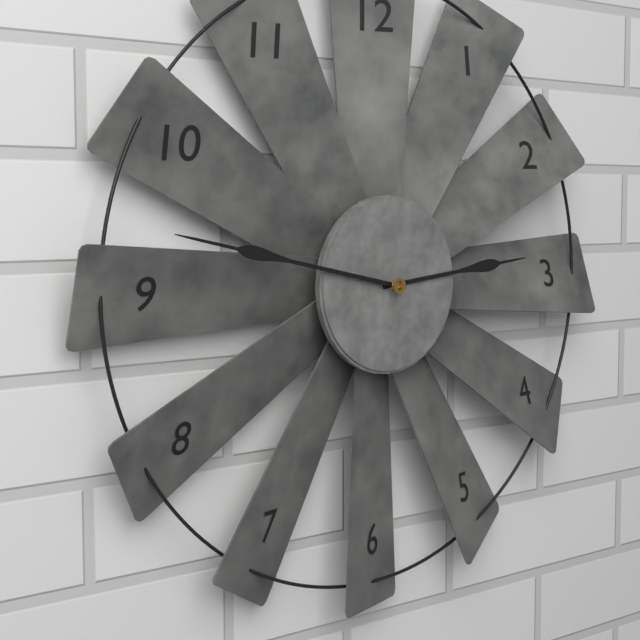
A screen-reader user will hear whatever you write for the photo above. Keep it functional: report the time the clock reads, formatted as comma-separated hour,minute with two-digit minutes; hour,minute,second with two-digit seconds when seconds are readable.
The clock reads 2,47
